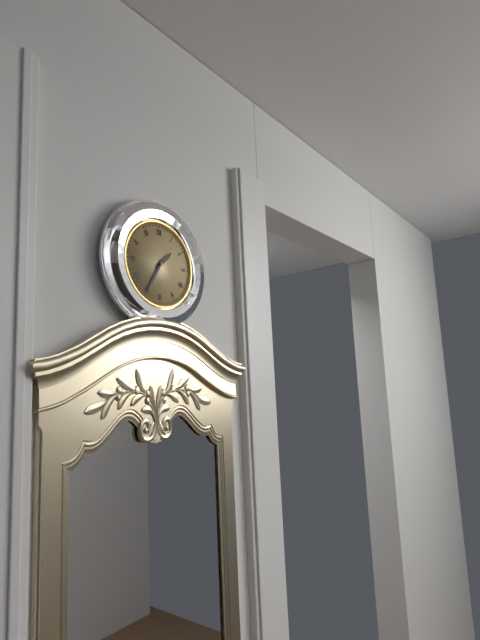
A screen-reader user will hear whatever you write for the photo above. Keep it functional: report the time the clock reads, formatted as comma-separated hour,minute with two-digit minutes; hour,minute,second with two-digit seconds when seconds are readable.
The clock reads 1,35
